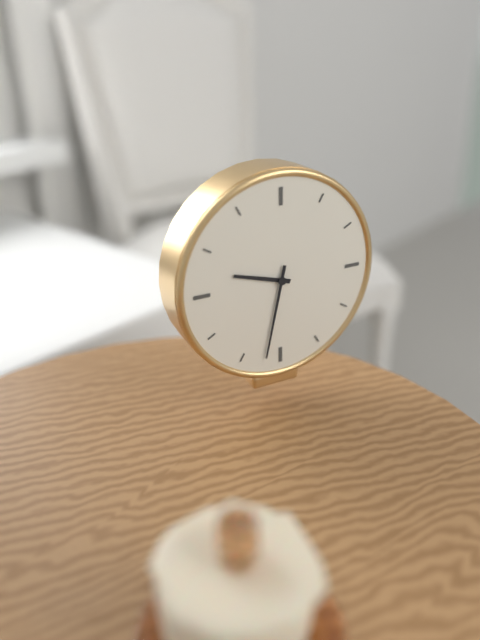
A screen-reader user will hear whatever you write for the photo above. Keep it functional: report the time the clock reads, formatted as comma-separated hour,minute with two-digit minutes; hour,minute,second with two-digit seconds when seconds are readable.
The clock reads 9,32
